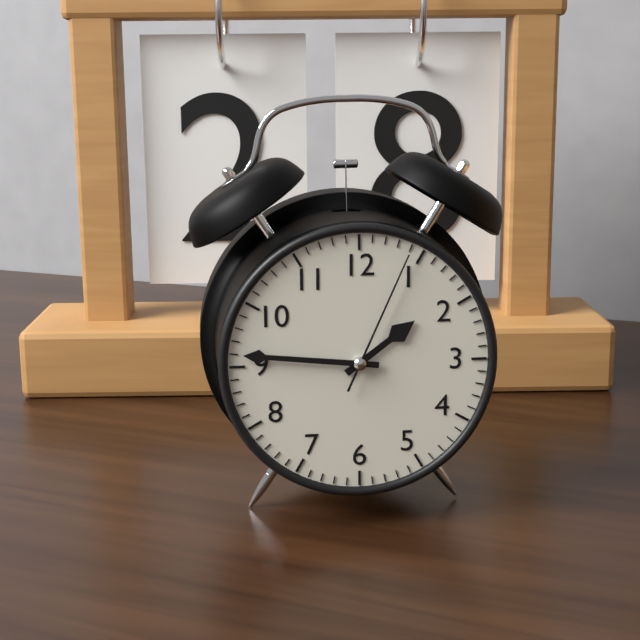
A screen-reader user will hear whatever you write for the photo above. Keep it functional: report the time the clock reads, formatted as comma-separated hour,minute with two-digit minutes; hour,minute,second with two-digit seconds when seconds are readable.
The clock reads 1,46,04
